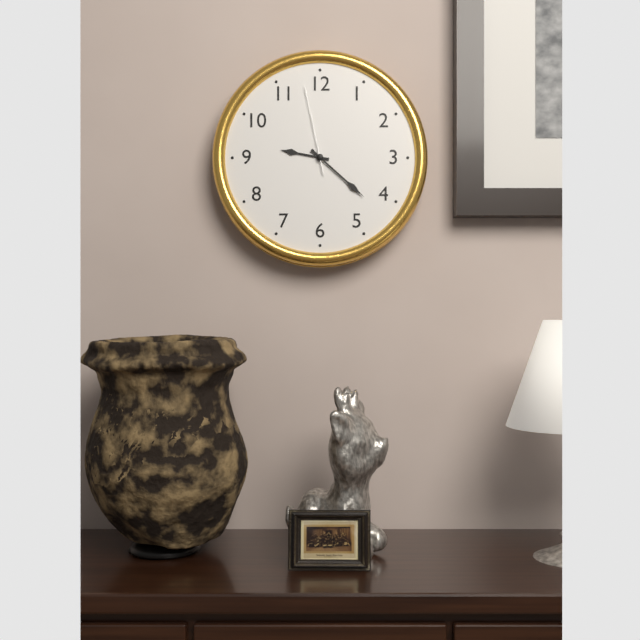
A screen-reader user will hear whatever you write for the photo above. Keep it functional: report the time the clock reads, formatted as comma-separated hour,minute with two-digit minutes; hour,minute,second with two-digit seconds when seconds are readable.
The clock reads 9,22,58
